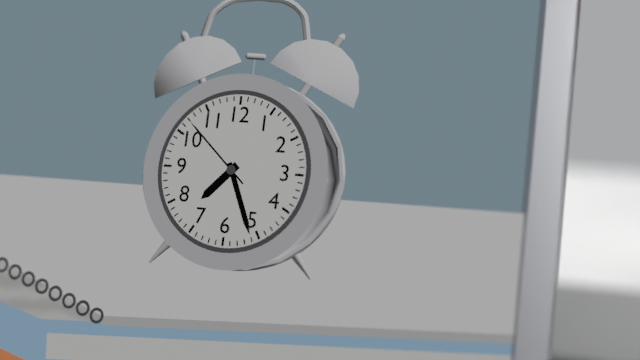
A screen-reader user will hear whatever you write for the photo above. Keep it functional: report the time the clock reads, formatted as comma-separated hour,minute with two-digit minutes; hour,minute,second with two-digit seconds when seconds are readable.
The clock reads 7,26,52
